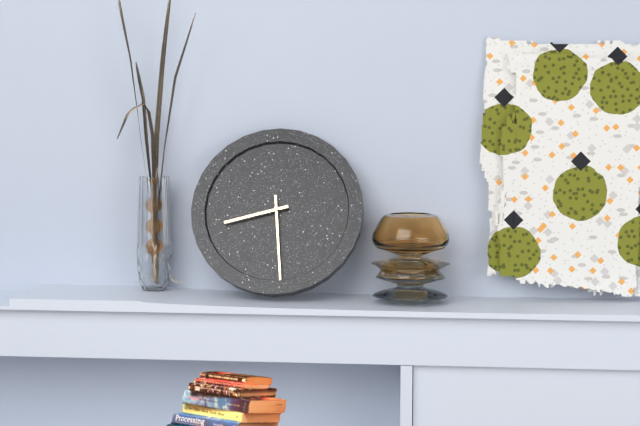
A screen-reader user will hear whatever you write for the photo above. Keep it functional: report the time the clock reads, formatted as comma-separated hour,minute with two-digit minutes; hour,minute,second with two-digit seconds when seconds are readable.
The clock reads 8,29
